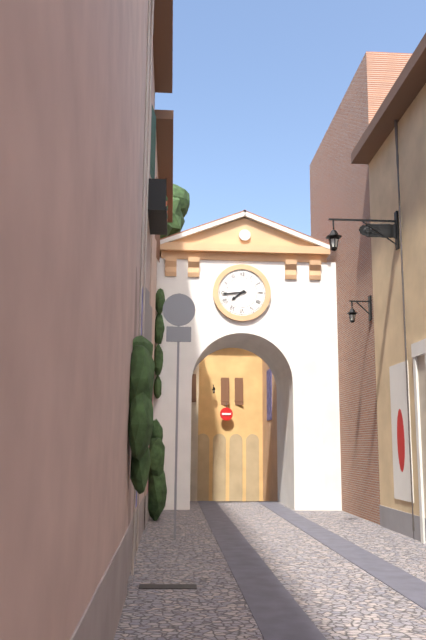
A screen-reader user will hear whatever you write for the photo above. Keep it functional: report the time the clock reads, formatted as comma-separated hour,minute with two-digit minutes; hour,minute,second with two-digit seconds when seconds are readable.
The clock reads 7,44
